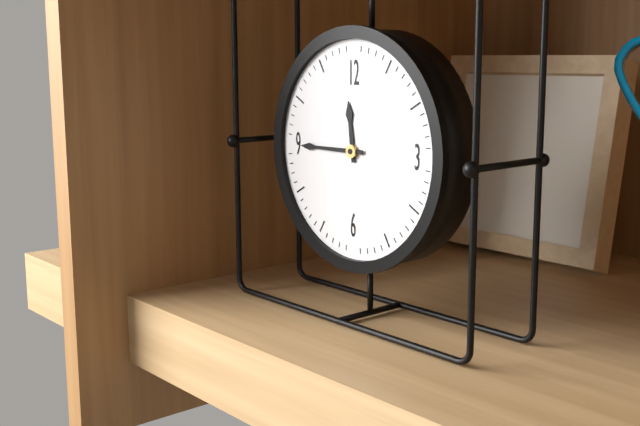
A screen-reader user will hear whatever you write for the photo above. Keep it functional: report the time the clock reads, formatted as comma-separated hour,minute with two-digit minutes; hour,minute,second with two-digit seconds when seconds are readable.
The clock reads 11,45
